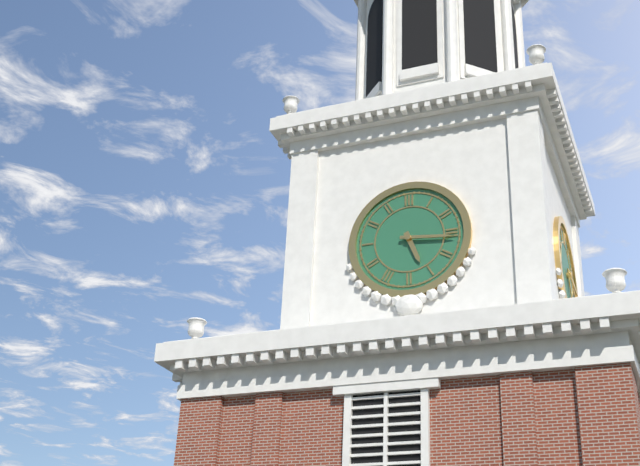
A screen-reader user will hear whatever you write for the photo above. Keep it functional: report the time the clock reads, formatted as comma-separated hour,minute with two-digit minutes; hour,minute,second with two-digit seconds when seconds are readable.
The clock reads 5,16
